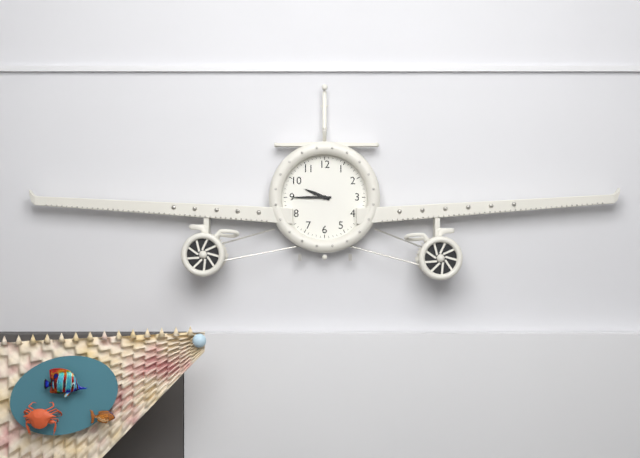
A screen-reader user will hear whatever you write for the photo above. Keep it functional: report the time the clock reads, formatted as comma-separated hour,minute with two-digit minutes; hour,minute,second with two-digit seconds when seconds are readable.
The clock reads 9,45
